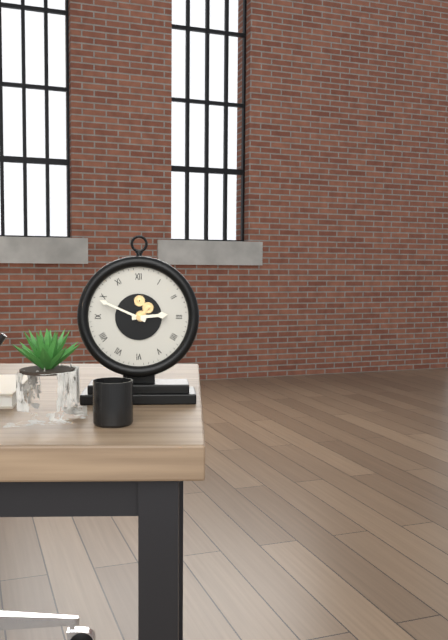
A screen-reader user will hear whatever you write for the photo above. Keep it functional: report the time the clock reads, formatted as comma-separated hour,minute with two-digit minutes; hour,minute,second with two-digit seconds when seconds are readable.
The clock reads 2,49
